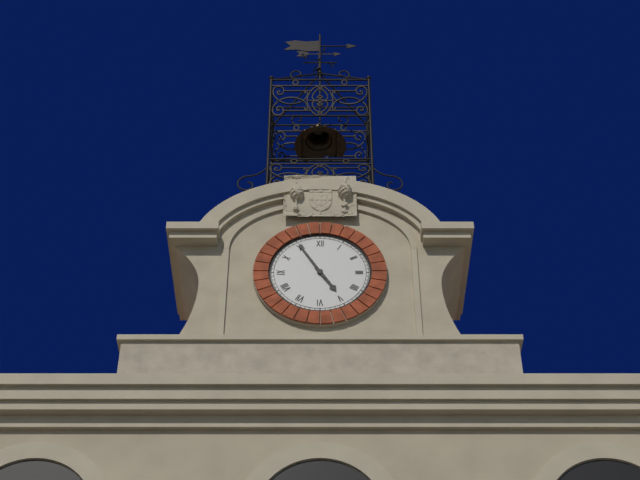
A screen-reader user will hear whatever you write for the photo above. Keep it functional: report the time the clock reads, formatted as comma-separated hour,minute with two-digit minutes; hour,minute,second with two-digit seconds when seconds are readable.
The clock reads 4,55
